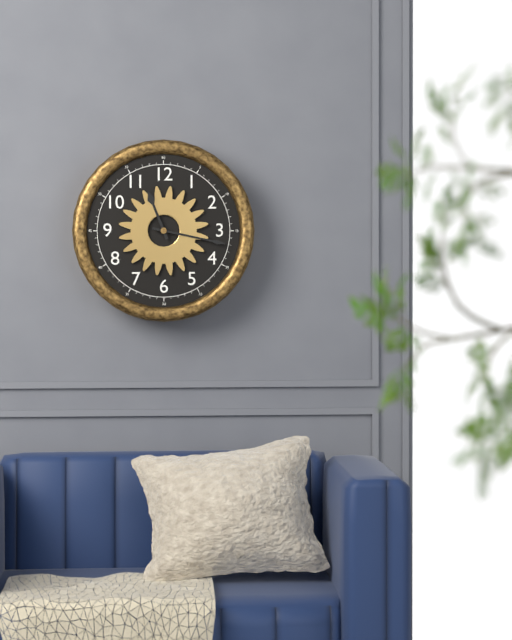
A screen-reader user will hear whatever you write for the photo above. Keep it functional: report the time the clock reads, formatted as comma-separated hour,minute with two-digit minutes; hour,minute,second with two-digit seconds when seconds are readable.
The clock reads 11,17
